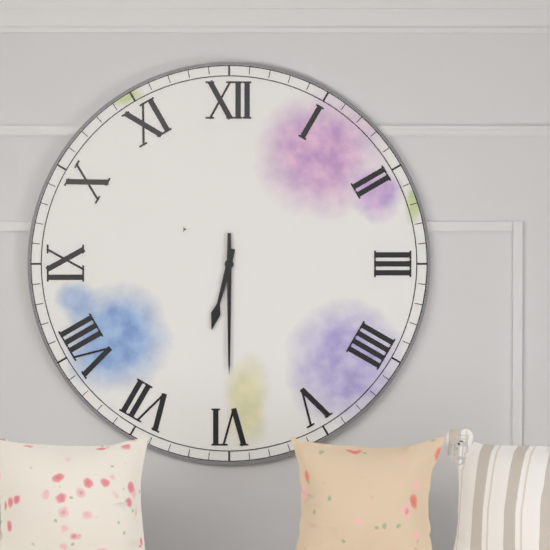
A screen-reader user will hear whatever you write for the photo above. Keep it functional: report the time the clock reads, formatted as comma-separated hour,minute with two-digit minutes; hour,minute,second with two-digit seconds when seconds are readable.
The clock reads 6,30
